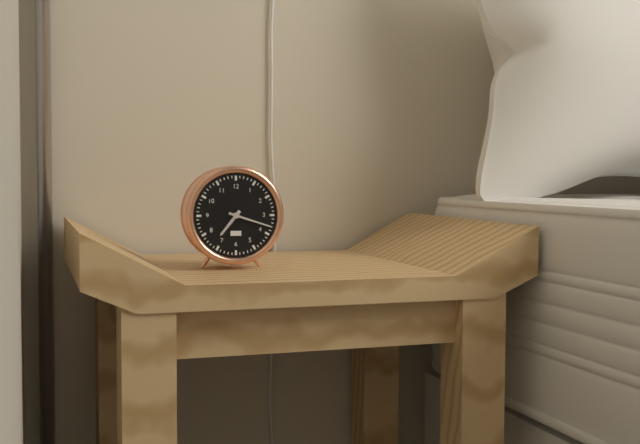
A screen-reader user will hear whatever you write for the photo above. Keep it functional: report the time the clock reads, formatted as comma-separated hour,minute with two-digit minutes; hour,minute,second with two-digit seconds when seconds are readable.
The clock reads 7,18
